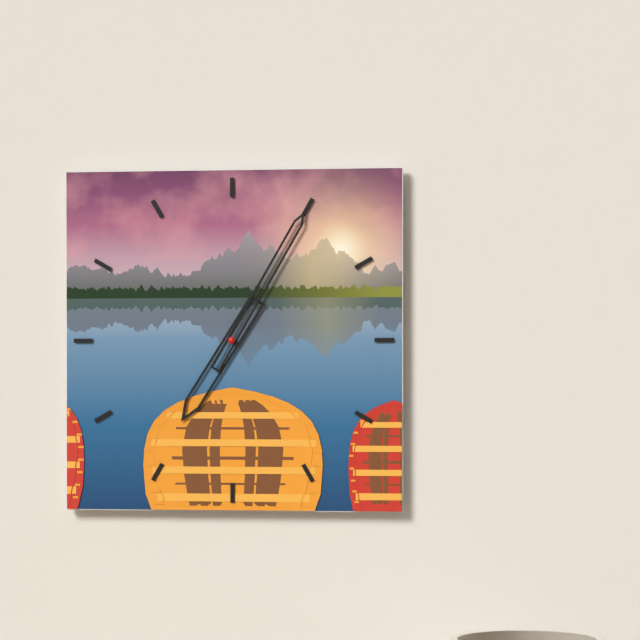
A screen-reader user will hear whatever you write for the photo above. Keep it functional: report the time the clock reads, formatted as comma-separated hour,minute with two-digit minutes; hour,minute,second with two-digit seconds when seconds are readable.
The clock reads 7,05
